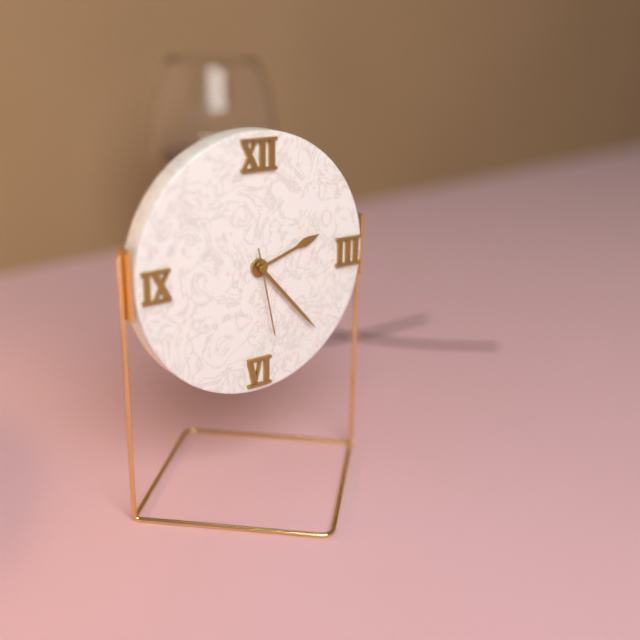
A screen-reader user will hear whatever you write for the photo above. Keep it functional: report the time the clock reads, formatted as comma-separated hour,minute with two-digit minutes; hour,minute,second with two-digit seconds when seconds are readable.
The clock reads 2,23,28
